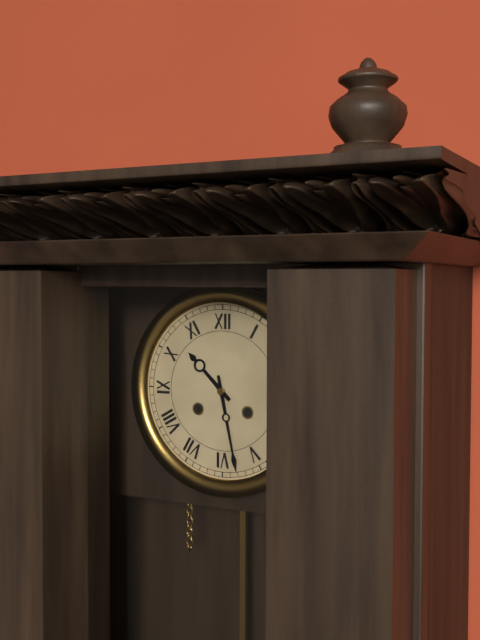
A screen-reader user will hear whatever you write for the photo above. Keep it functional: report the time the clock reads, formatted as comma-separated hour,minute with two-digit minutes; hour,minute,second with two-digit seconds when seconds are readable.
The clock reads 10,28
